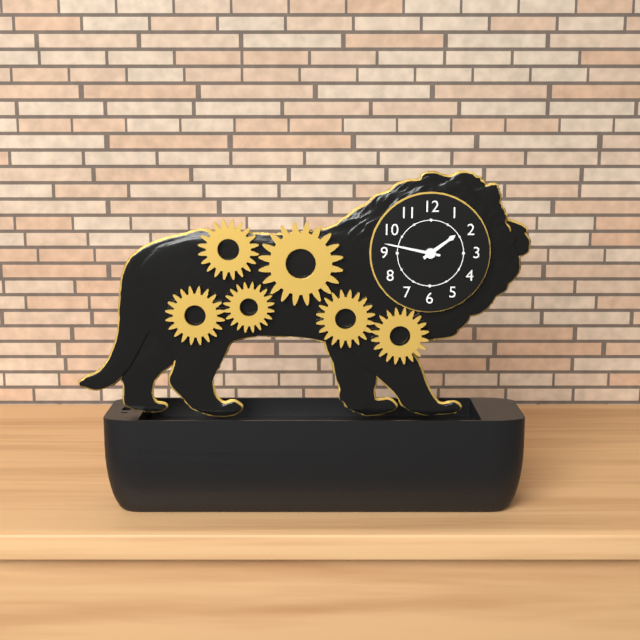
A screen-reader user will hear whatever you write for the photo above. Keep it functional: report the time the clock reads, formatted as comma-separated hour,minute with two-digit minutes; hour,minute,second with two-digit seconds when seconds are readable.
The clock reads 1,47
